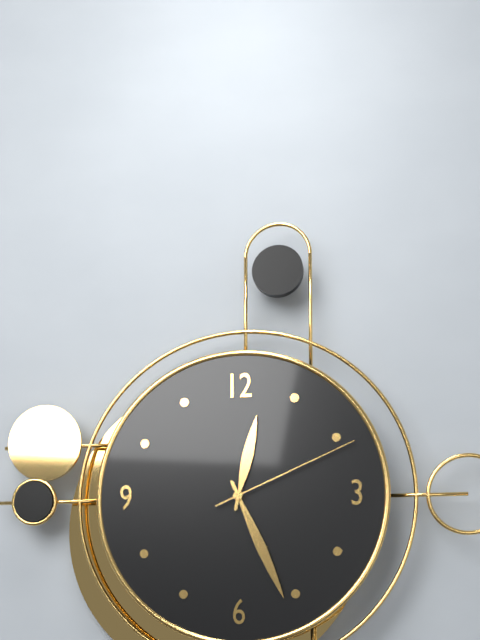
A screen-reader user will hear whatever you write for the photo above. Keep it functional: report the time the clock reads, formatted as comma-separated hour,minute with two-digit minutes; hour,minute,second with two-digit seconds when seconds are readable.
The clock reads 12,26,11
